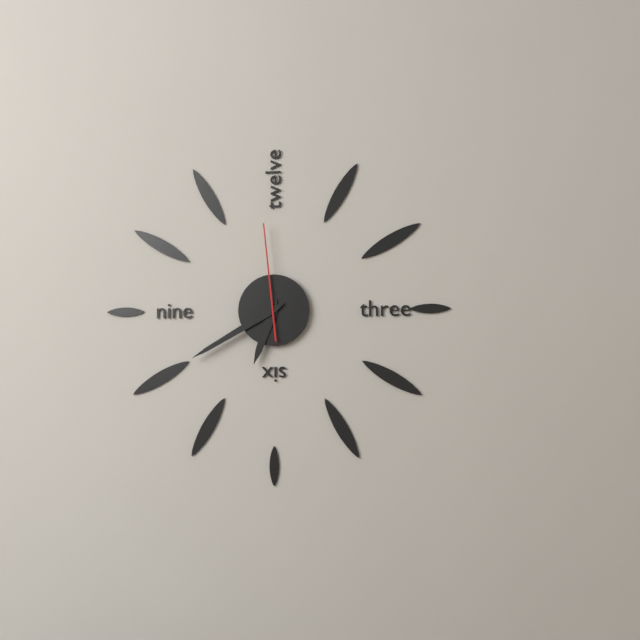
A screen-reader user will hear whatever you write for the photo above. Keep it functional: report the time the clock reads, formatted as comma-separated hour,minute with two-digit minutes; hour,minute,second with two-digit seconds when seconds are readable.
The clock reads 6,40,59
